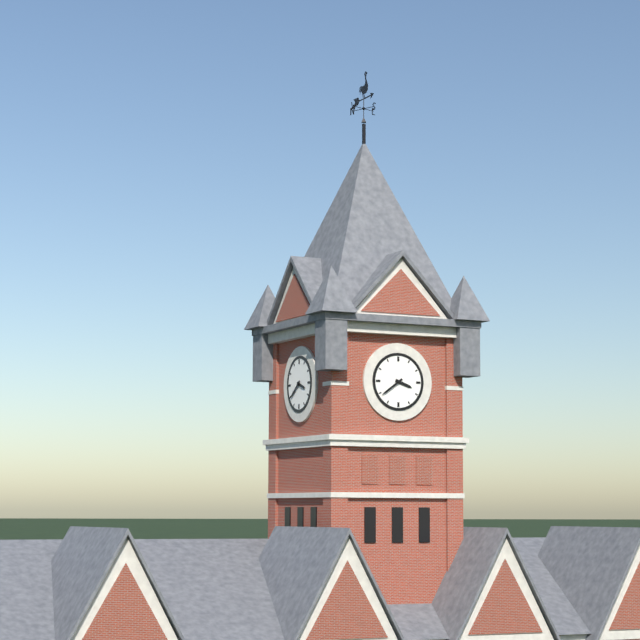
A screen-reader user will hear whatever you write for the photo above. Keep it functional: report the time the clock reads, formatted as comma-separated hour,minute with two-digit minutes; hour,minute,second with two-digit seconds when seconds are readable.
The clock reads 3,39
